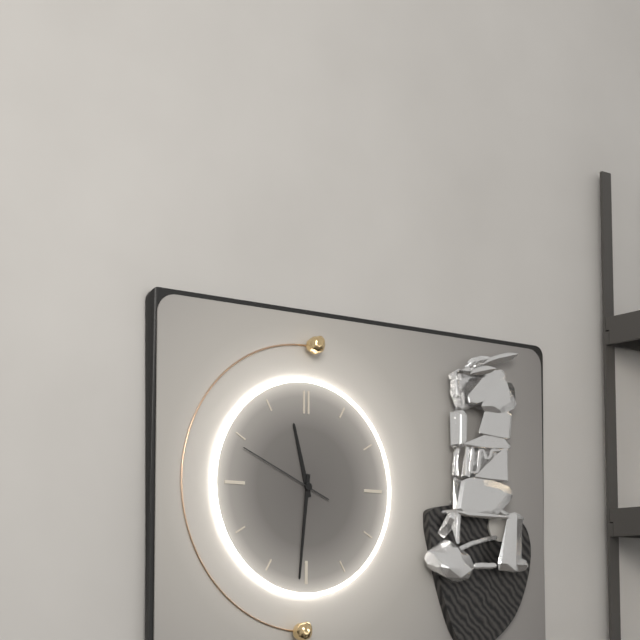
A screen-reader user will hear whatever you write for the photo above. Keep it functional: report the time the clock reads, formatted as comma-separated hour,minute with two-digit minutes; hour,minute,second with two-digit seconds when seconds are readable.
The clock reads 11,31,49
